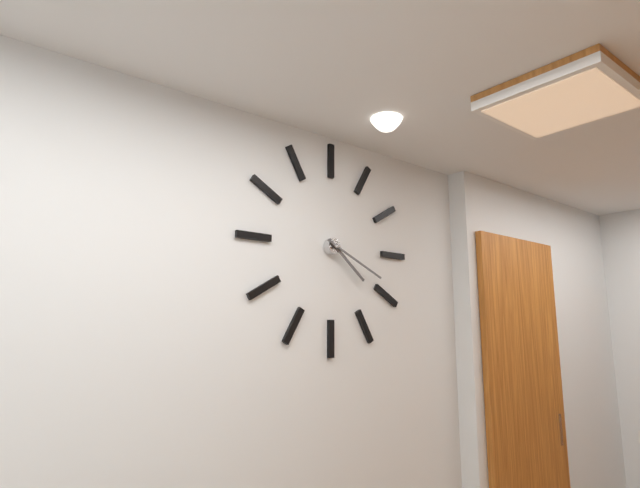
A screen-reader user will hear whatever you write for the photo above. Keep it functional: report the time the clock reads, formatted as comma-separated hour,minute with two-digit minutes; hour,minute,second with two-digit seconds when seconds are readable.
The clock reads 4,19
